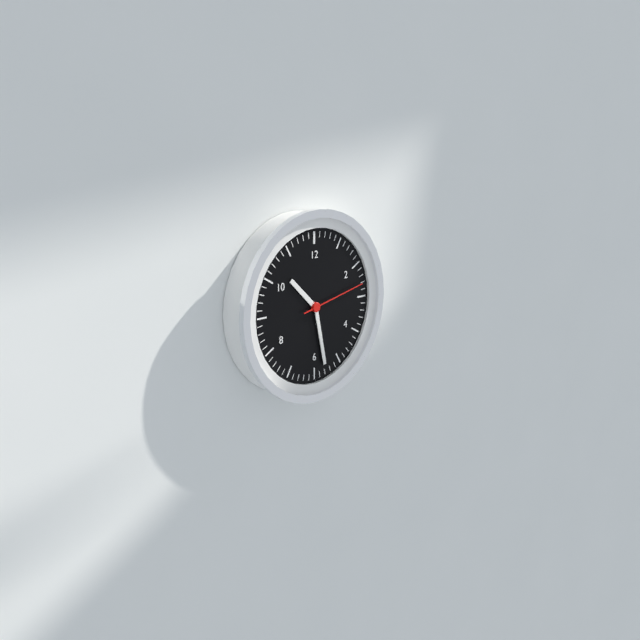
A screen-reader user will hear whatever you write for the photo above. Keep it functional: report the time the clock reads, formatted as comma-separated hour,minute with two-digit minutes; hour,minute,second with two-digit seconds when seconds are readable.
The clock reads 10,28,13
